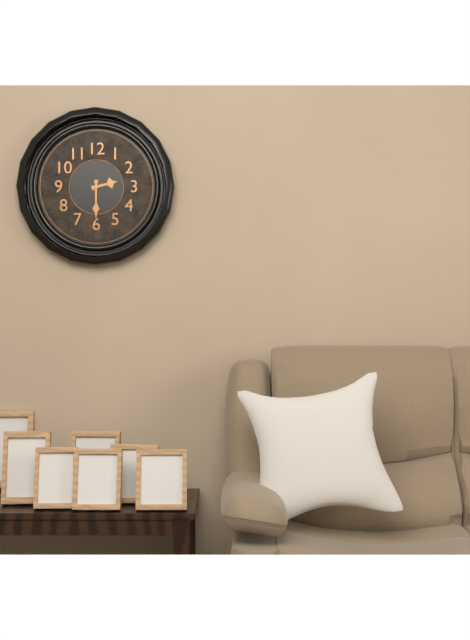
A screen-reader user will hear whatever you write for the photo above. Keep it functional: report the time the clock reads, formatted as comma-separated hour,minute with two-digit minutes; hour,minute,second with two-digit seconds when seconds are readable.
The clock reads 2,30
